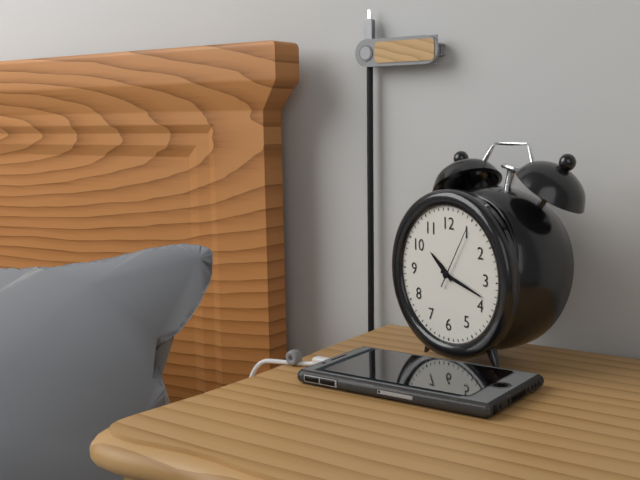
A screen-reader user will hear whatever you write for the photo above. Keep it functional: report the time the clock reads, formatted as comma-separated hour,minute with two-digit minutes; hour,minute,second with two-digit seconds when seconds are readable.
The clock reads 10,18,05
